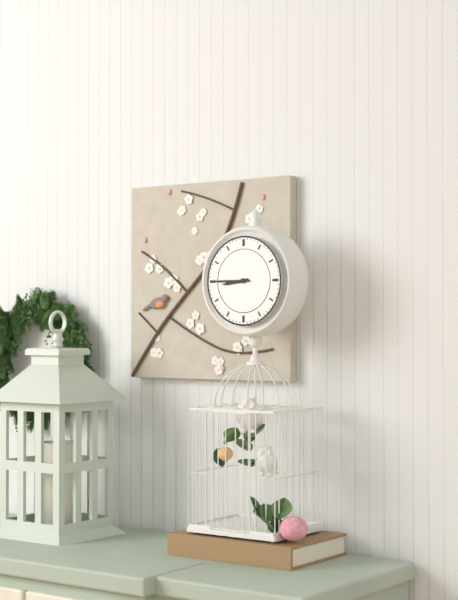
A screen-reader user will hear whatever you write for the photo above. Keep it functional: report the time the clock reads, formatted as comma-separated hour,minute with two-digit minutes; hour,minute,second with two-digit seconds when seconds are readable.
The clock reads 8,45
